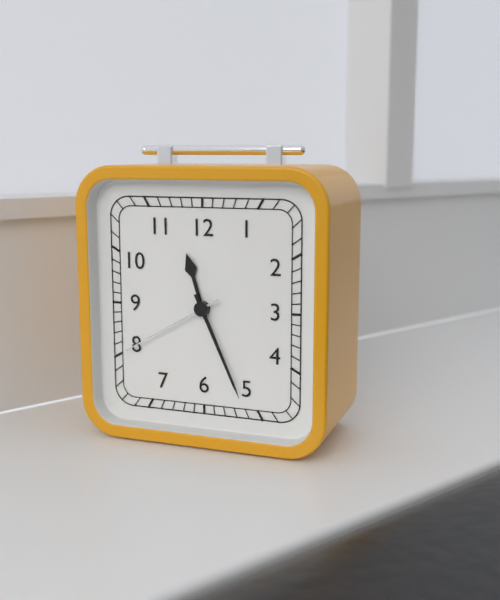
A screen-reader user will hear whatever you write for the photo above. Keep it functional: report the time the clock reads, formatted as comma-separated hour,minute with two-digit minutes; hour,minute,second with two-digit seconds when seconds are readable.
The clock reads 11,26,40
